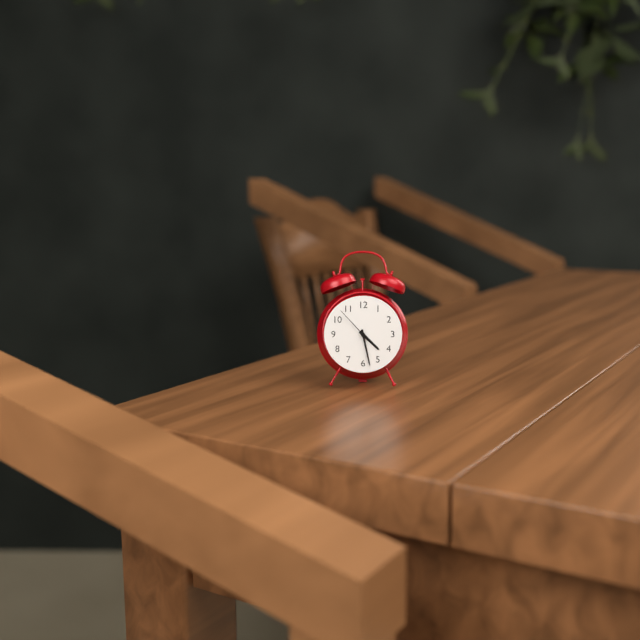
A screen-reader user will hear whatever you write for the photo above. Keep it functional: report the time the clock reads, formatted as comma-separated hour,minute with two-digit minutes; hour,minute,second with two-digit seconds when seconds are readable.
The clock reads 4,28
